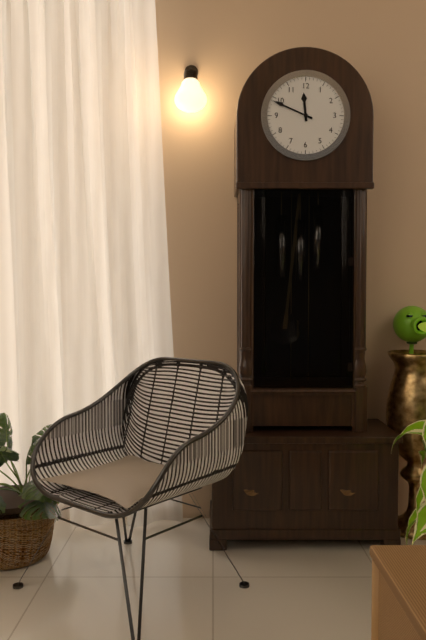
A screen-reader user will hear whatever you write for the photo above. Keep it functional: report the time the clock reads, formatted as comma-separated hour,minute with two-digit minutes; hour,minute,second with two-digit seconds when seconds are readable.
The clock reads 11,49
